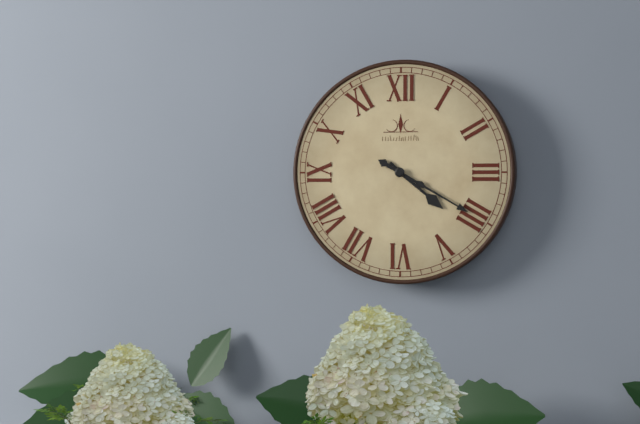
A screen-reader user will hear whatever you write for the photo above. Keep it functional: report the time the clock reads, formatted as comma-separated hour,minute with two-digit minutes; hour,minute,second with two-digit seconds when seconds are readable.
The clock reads 4,20
